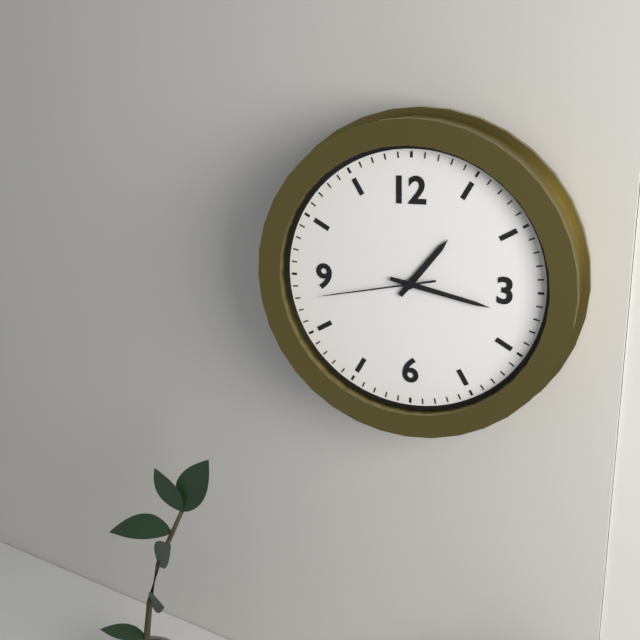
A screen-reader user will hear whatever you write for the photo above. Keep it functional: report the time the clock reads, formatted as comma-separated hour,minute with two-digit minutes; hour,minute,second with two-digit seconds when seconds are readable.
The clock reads 1,17,43
